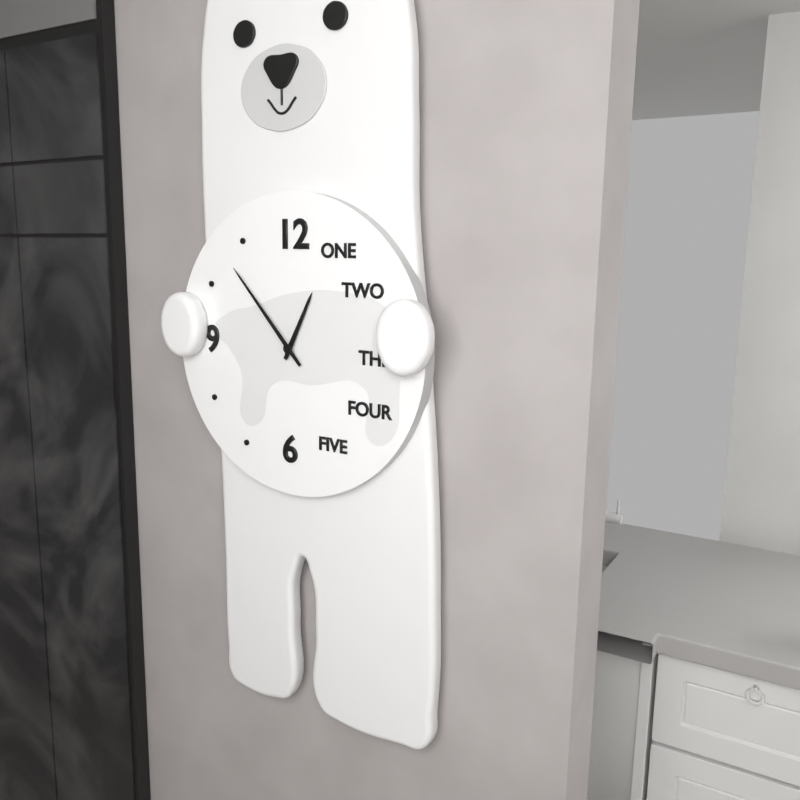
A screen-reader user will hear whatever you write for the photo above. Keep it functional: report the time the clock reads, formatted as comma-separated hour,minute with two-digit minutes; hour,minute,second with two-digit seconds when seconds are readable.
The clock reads 12,53
